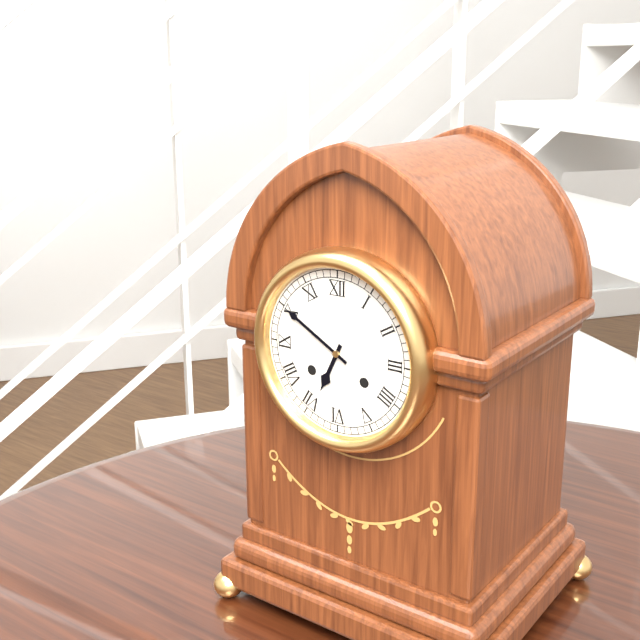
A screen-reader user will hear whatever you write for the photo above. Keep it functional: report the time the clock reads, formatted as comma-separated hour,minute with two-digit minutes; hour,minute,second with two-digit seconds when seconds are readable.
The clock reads 6,50
